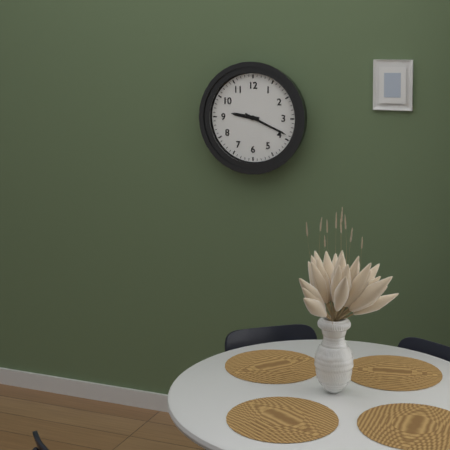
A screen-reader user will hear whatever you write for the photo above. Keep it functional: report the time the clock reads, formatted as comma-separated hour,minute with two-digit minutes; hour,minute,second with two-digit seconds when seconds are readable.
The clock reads 9,19
